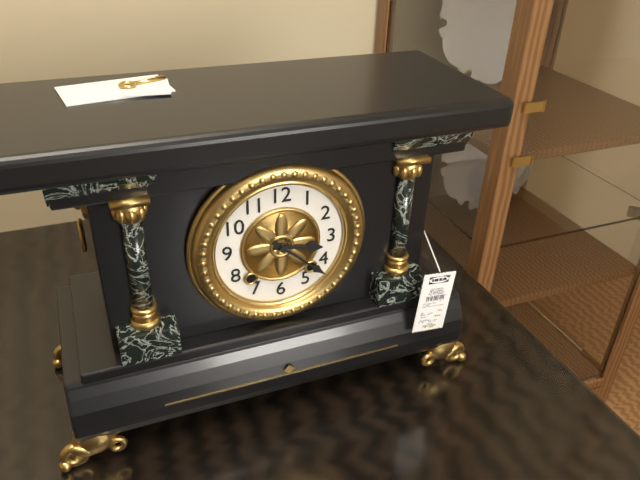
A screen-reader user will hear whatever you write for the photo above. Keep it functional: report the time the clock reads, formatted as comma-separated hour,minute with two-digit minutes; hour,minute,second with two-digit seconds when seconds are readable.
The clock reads 3,22
